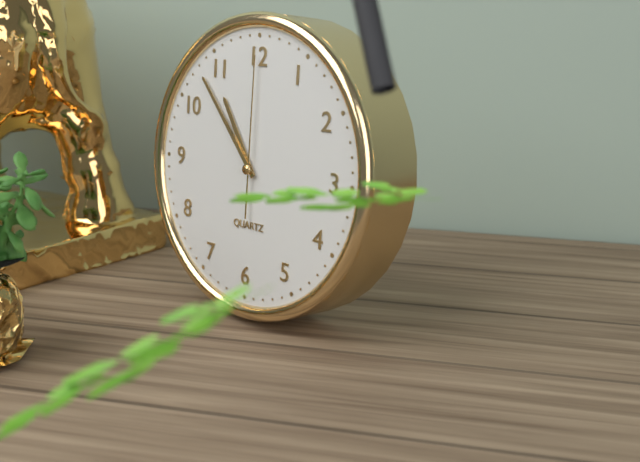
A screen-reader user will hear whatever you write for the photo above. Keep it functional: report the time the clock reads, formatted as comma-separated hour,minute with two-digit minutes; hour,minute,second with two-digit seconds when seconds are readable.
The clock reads 10,53,00
